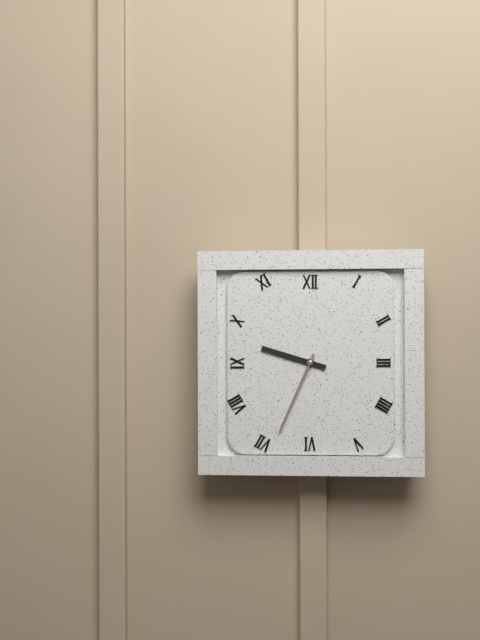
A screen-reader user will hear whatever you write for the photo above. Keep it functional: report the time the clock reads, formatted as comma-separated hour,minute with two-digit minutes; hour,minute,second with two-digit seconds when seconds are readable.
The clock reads 9,34
